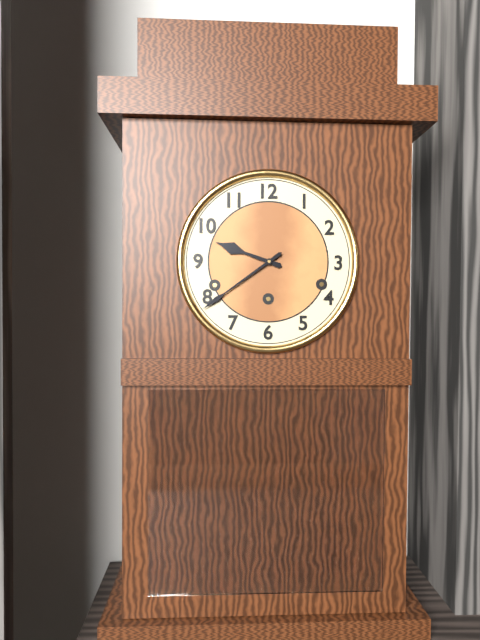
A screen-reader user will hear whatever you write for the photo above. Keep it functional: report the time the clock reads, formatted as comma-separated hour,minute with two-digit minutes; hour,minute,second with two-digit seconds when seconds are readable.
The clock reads 9,39
